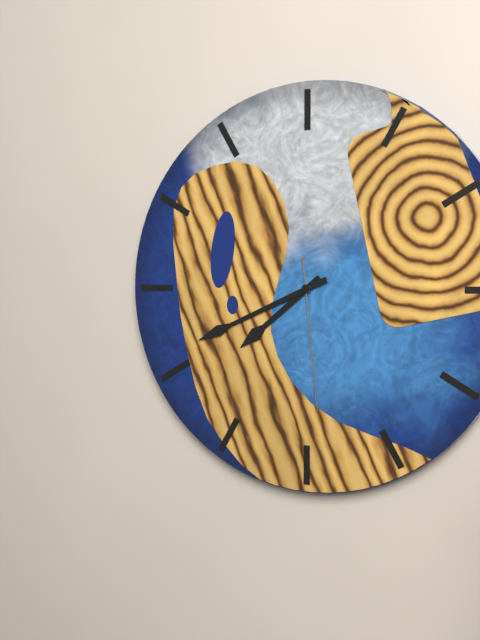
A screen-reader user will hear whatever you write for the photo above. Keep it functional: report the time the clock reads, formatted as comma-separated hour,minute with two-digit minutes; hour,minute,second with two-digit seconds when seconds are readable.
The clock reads 7,41,29
